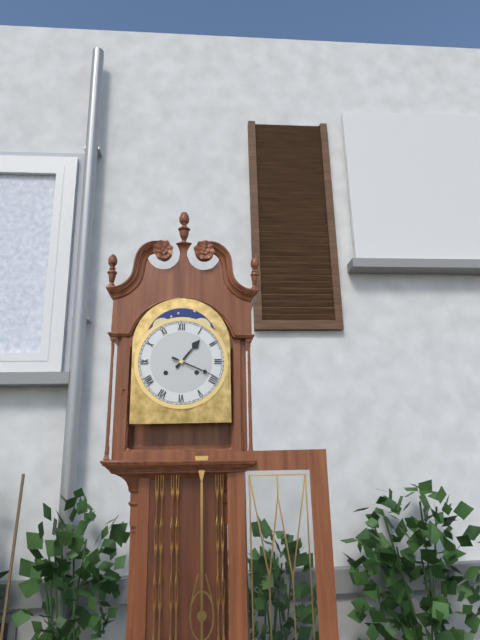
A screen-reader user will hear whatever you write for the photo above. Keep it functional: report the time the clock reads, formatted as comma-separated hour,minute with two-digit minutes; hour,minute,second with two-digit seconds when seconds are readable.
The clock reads 1,19
